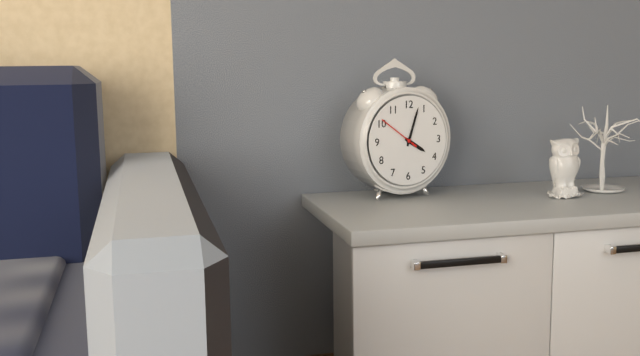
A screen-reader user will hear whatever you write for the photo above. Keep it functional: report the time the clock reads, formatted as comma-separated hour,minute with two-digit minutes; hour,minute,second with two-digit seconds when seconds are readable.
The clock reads 4,03
